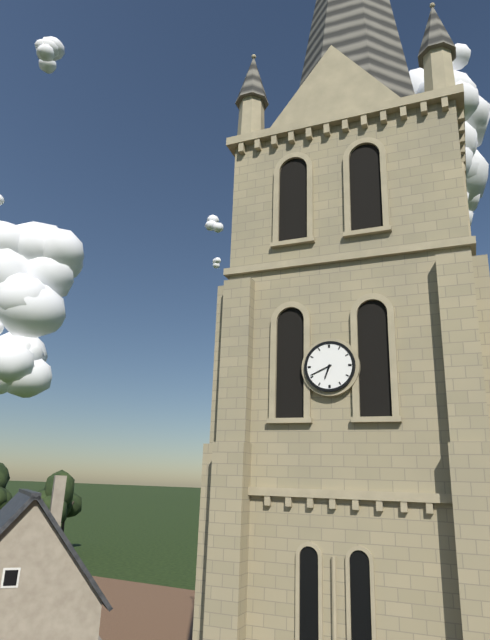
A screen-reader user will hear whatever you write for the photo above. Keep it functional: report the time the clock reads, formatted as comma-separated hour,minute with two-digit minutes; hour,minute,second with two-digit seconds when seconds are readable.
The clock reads 6,41
